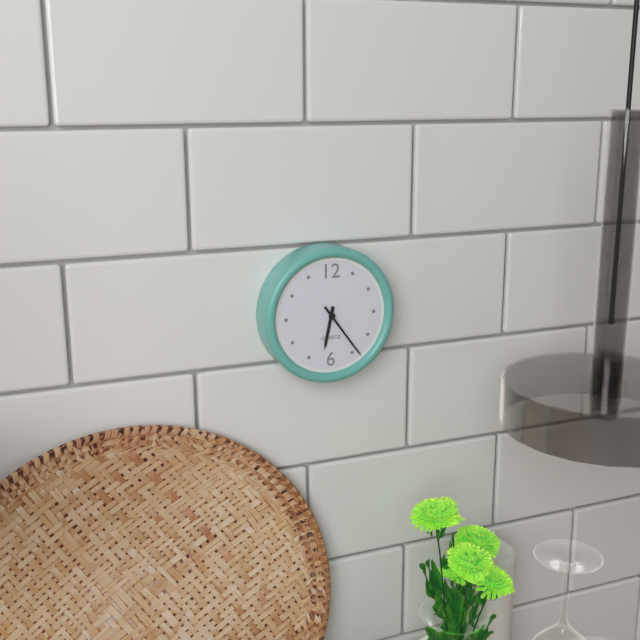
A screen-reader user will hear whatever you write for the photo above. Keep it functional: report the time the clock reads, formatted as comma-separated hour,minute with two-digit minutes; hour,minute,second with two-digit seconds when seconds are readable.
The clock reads 6,24
